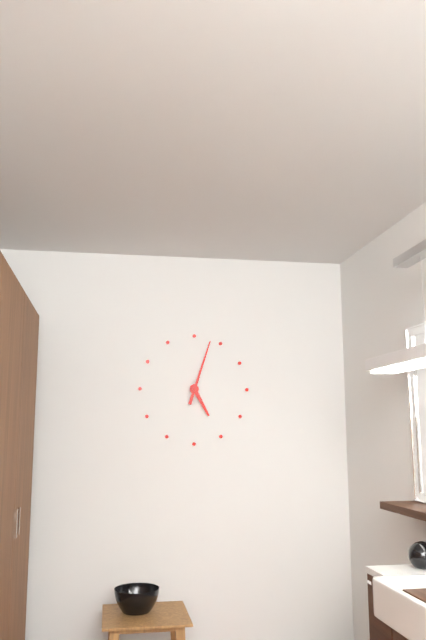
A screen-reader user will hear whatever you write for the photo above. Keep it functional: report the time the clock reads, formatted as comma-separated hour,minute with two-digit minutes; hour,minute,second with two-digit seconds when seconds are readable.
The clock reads 5,03
